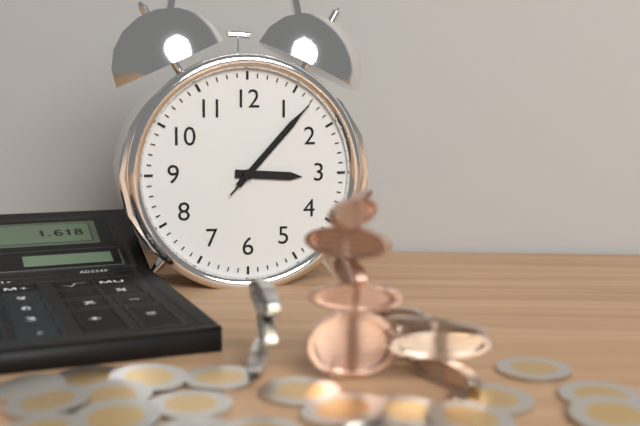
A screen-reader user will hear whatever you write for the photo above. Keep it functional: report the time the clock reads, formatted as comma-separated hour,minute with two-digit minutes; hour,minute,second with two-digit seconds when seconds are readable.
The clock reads 3,07,07
